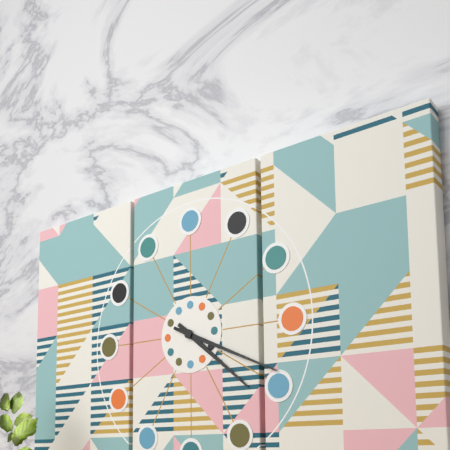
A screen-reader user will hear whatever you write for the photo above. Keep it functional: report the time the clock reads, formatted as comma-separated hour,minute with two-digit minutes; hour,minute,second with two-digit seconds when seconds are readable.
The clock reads 4,19
